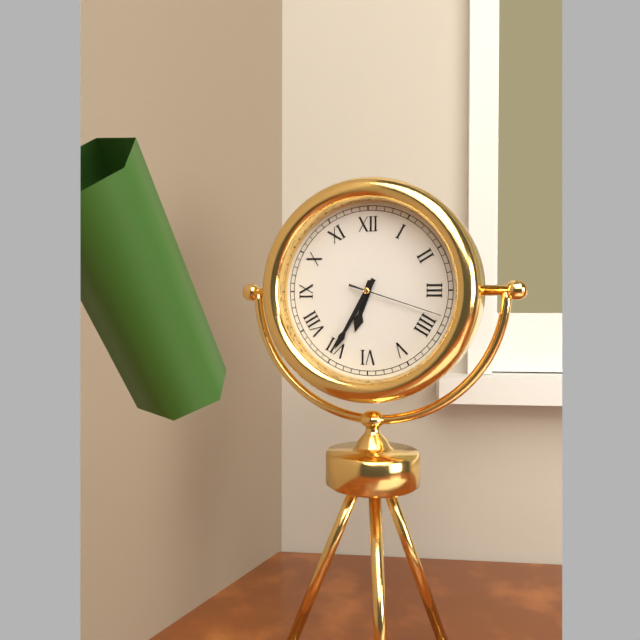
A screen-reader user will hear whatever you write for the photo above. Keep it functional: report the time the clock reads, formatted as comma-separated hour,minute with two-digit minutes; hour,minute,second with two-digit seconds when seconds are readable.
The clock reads 6,35,18
